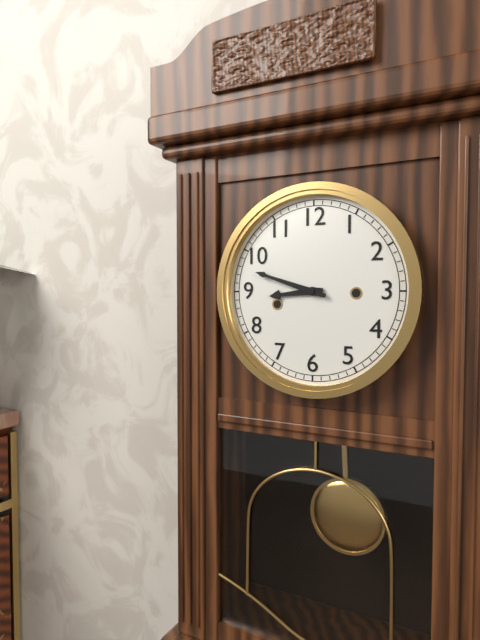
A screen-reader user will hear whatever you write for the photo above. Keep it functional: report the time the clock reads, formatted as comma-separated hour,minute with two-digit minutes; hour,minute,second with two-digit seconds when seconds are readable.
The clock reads 8,48
